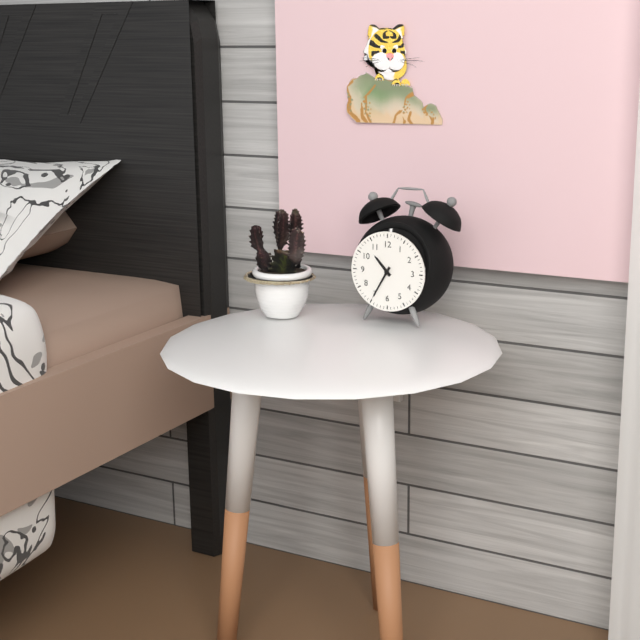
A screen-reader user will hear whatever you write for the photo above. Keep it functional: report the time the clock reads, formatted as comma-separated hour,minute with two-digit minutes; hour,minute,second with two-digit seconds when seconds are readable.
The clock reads 10,35
